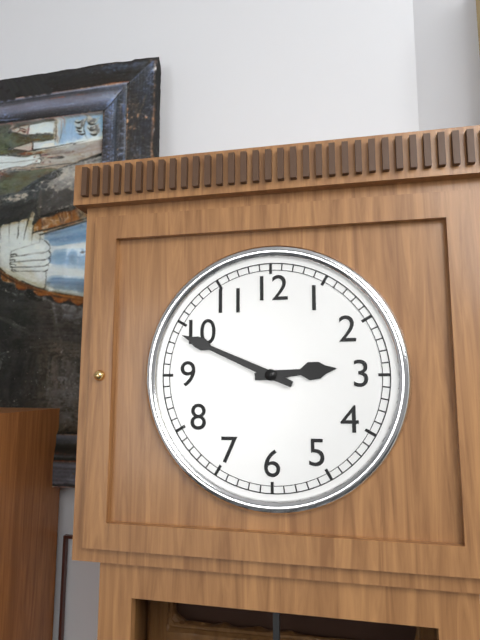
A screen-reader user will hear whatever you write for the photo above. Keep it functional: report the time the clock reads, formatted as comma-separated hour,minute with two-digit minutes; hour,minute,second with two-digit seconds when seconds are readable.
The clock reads 2,49
